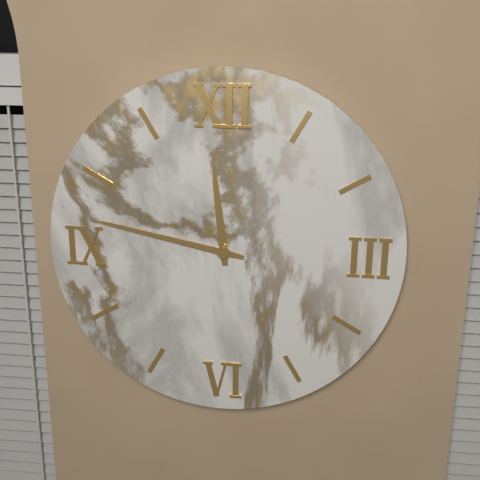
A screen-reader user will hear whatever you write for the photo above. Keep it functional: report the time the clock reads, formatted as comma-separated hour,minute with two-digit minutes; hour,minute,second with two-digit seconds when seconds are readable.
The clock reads 11,47
